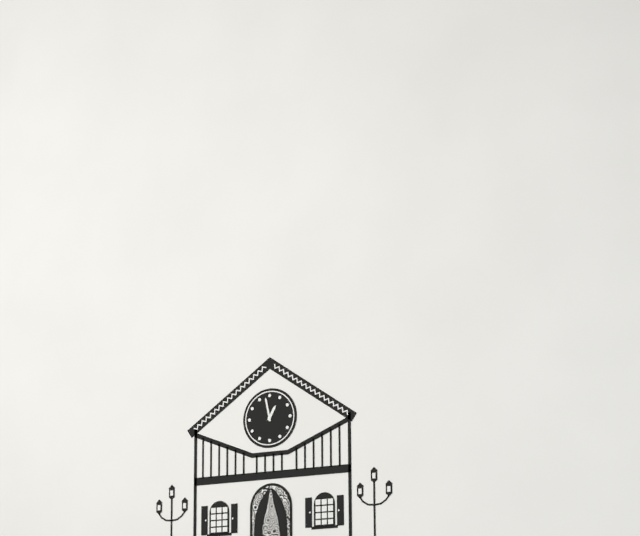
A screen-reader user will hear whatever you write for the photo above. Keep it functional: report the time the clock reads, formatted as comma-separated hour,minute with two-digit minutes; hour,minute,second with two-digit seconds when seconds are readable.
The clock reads 12,58
